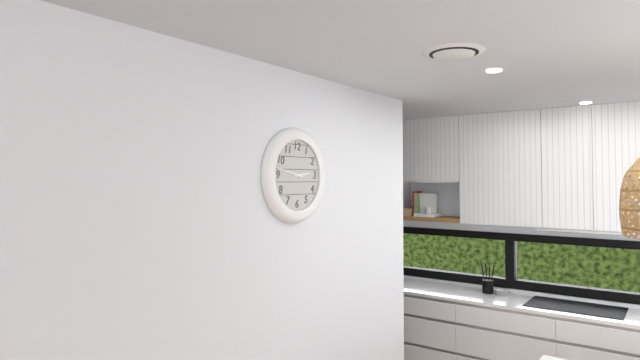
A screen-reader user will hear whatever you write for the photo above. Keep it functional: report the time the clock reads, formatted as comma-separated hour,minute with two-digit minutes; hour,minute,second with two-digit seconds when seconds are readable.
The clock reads 2,47
